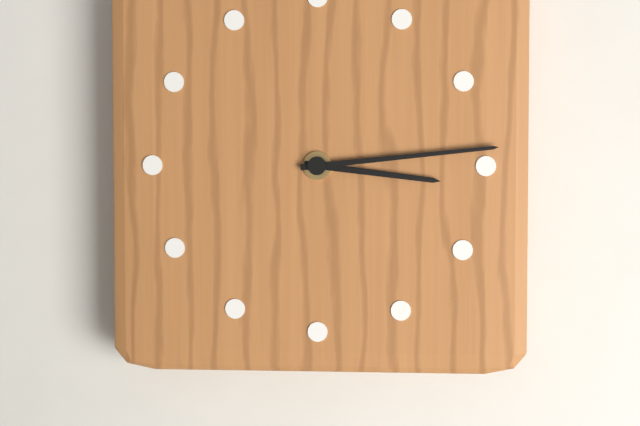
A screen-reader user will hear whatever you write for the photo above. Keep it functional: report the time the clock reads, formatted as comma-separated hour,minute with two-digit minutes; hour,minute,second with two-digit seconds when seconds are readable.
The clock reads 3,14
